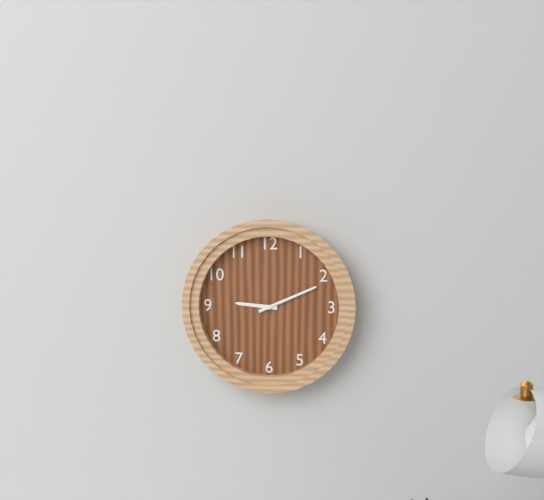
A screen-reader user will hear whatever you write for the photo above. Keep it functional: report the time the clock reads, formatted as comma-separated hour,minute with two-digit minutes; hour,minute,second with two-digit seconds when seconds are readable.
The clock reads 9,11
